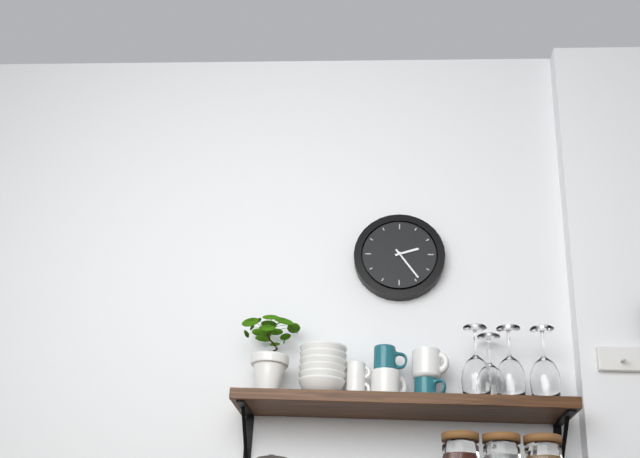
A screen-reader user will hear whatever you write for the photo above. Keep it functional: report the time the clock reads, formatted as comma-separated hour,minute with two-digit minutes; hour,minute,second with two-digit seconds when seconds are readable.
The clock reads 2,24
